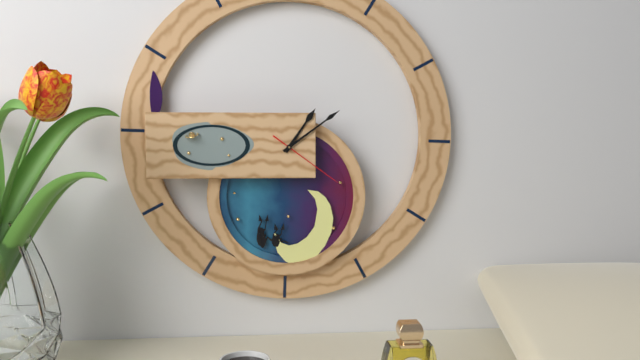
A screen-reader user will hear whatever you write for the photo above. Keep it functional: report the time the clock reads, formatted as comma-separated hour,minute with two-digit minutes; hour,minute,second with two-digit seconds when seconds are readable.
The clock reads 1,09,21
